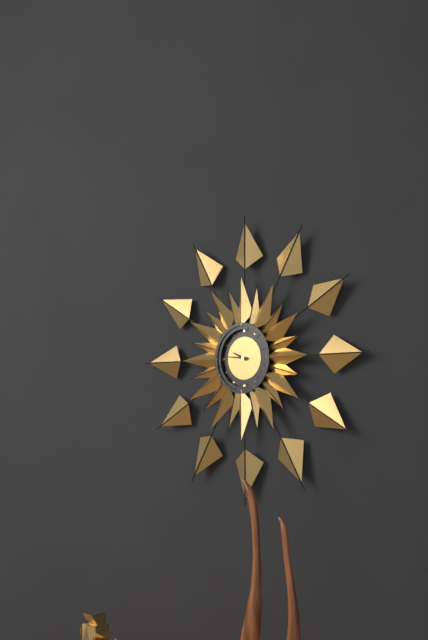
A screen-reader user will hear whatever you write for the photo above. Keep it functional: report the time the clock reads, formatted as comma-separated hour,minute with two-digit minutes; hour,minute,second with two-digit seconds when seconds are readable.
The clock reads 9,46
